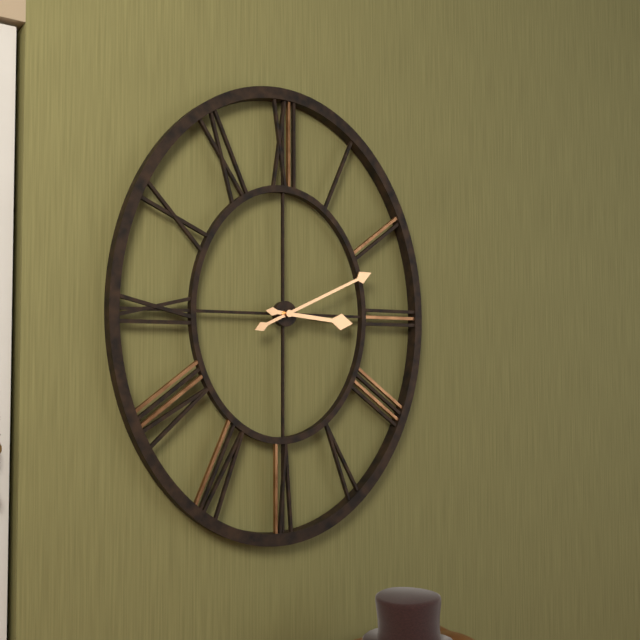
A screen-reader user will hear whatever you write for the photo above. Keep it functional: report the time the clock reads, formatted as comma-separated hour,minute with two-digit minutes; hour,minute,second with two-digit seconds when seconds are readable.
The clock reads 3,11
